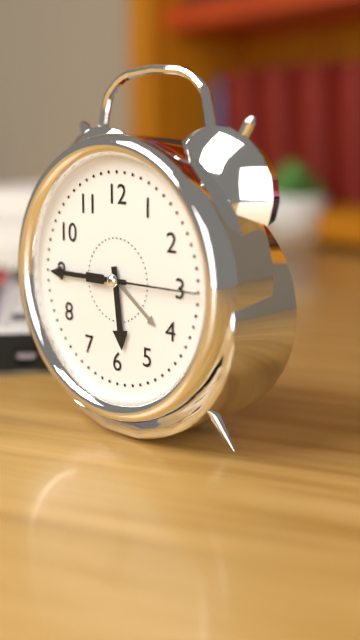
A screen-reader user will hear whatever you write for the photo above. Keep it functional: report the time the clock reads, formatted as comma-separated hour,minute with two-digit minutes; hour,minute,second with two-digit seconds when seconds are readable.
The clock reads 5,45,15
